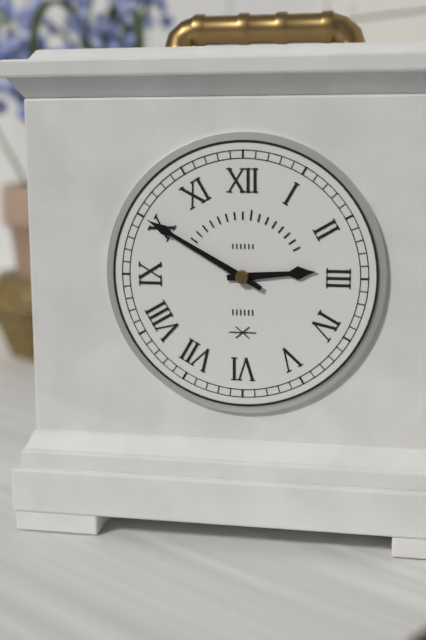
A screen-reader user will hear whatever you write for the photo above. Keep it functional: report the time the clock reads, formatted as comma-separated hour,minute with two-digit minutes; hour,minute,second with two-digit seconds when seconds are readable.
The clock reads 2,50
